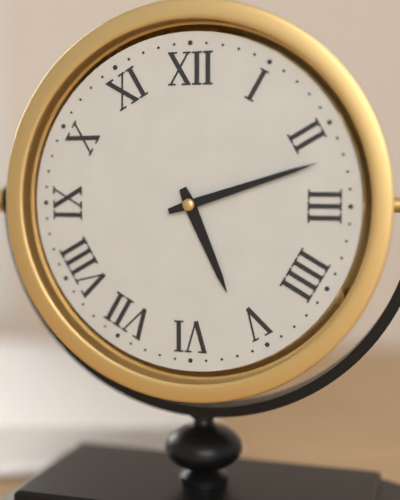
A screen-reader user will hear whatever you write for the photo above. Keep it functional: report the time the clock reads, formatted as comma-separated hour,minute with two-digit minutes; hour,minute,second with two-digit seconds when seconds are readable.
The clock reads 5,12
